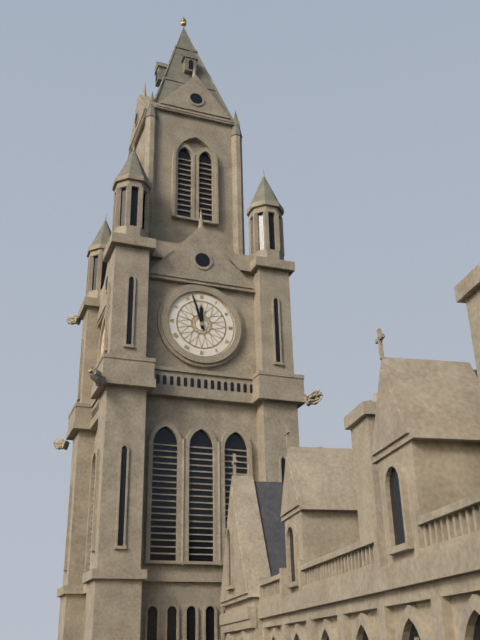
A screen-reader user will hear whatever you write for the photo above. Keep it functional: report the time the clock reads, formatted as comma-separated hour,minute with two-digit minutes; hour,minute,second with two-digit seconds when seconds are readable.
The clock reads 11,57
